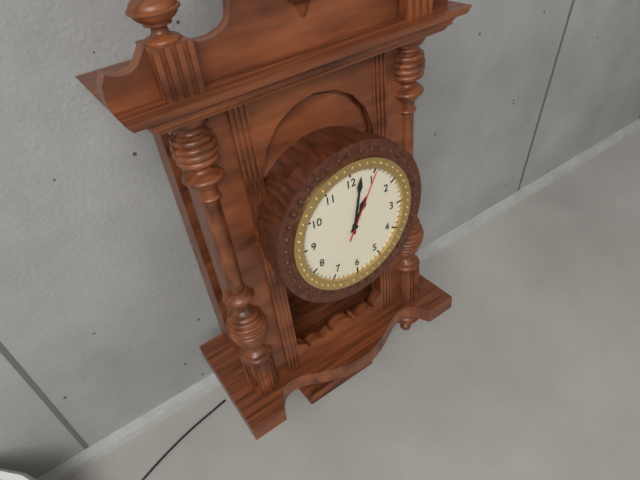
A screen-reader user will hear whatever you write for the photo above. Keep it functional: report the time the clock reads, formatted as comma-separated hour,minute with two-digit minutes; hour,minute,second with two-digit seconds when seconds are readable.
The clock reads 1,02,05
